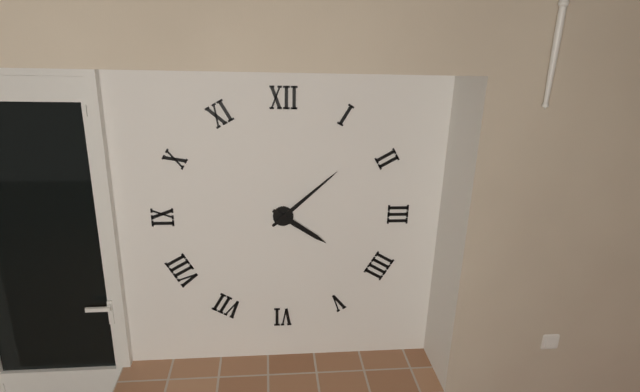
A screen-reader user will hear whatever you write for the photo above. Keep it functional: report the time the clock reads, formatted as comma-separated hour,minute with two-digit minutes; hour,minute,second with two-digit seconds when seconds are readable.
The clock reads 4,08
